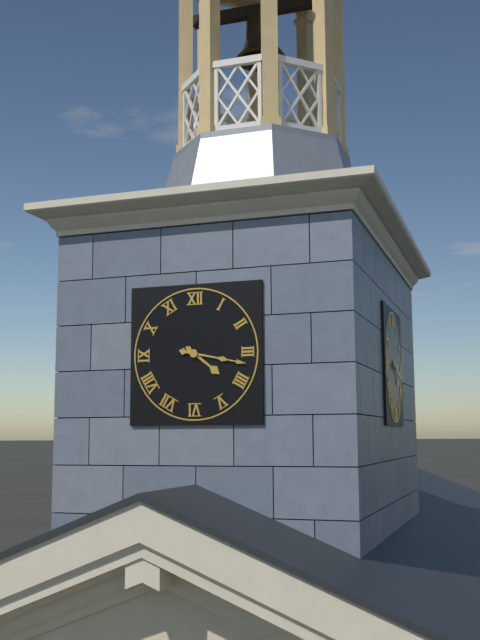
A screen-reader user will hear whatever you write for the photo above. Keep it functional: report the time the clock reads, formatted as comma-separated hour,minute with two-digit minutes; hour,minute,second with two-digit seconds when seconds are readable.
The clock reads 4,17
